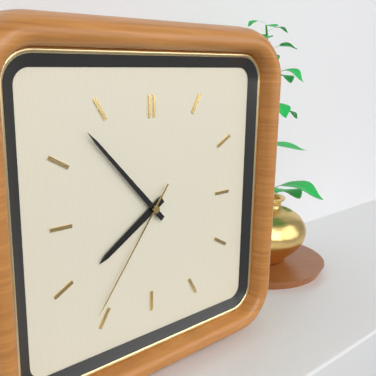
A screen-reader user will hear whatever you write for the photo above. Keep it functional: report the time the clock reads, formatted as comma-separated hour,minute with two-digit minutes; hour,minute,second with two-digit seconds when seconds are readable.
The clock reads 7,53,36
